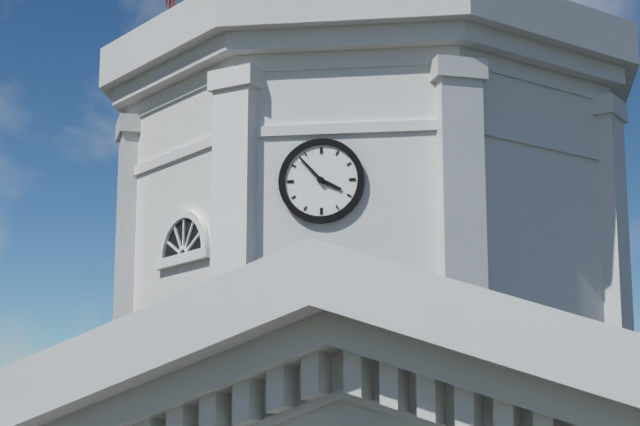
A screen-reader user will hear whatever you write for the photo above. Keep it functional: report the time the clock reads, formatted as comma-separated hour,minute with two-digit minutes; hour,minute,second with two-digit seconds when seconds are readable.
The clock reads 3,53
